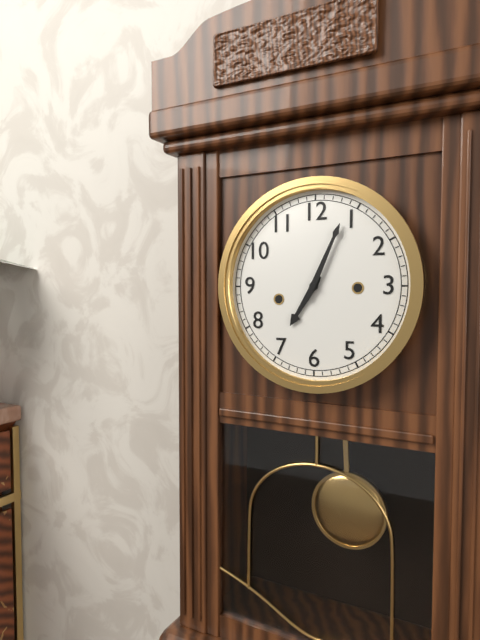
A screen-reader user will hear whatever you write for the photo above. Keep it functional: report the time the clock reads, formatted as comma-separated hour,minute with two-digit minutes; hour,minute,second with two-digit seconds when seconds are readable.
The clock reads 7,04
